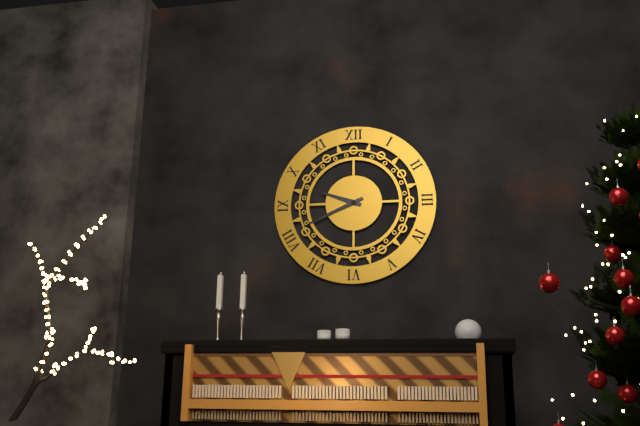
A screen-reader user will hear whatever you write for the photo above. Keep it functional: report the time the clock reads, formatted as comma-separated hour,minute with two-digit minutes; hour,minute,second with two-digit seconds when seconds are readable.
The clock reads 9,41
